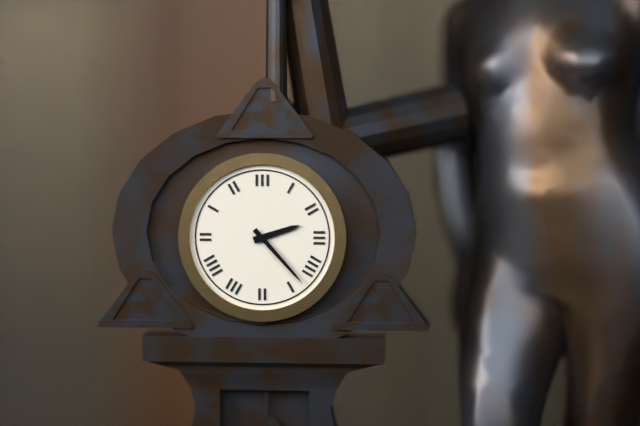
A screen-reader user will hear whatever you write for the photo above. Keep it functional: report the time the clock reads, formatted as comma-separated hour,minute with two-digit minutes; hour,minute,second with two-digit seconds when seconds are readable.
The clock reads 2,23
